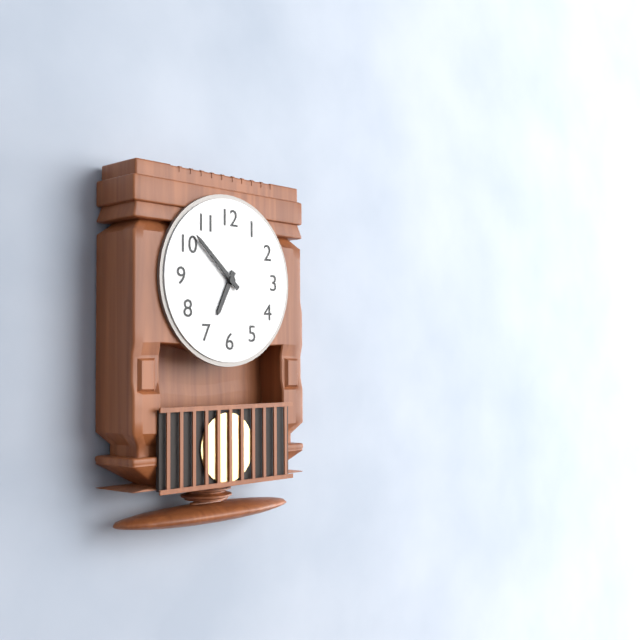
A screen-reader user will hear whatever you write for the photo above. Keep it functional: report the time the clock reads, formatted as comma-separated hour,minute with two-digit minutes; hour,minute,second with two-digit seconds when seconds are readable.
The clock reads 6,52
